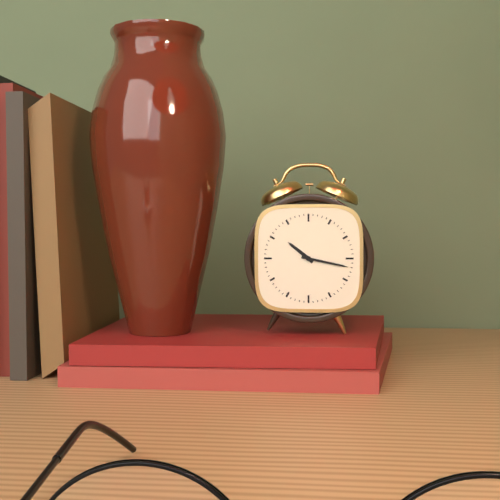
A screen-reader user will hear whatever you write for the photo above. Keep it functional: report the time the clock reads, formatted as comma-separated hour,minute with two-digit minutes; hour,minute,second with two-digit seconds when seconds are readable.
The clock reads 10,17
